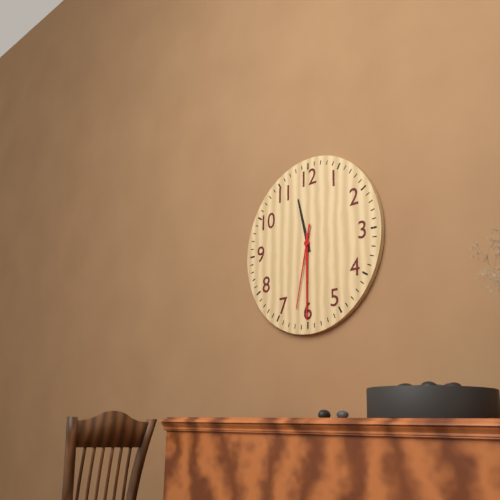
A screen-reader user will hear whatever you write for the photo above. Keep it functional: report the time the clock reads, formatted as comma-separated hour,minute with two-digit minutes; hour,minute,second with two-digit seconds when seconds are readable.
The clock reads 11,30,32
